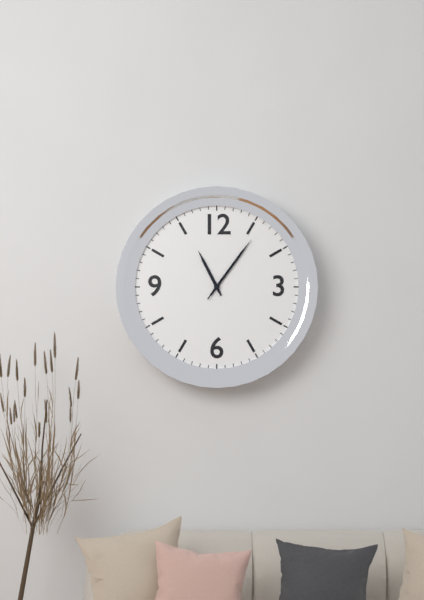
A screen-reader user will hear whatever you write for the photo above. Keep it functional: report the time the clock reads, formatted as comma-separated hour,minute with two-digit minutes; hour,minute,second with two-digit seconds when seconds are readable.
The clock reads 11,06,06
